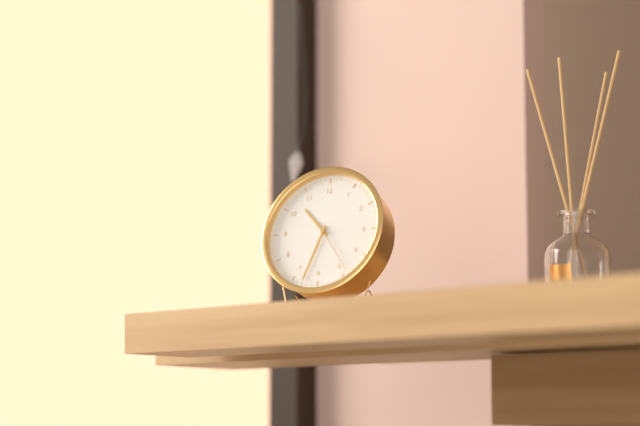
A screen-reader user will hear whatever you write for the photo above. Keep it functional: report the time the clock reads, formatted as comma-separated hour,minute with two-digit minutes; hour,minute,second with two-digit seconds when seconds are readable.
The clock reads 10,33,24
